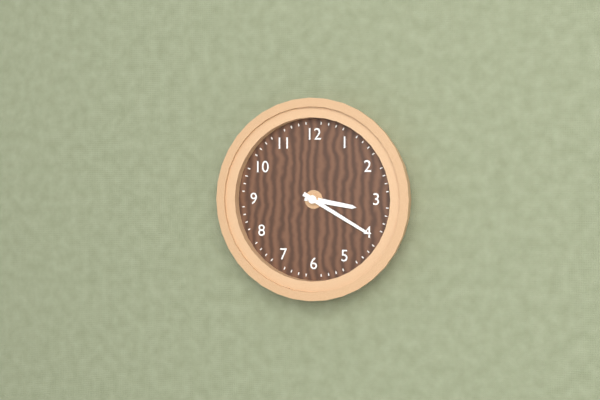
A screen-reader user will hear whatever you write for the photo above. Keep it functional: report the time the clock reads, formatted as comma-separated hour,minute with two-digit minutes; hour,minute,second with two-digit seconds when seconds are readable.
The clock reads 3,20
